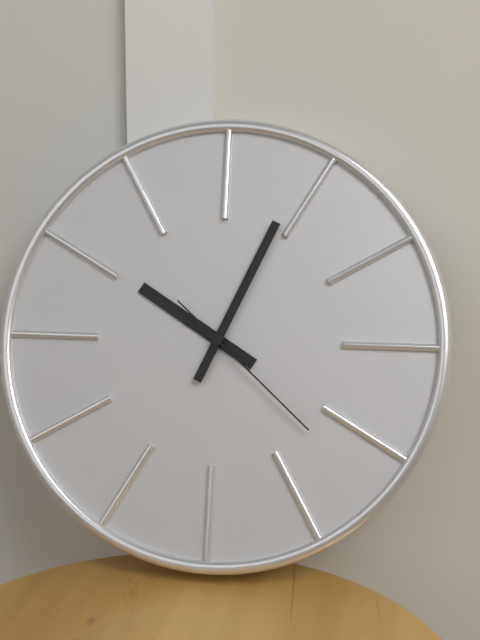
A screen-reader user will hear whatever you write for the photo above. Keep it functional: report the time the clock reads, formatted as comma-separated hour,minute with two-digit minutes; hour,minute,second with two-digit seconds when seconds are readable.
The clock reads 10,04,22
